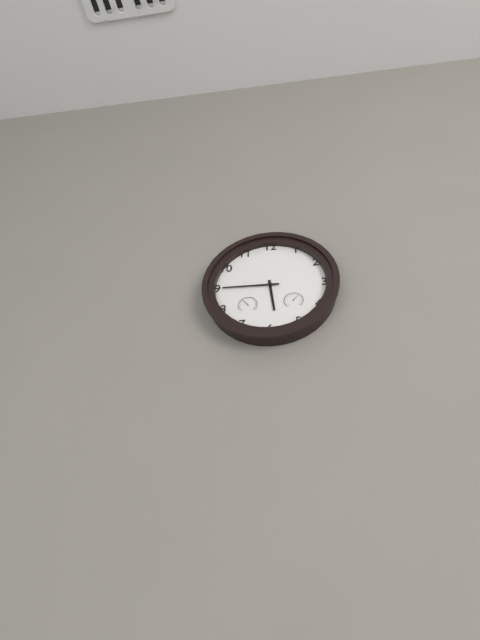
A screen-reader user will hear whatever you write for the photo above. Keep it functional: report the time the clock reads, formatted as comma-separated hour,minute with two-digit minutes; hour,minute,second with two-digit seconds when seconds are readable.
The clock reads 5,45
